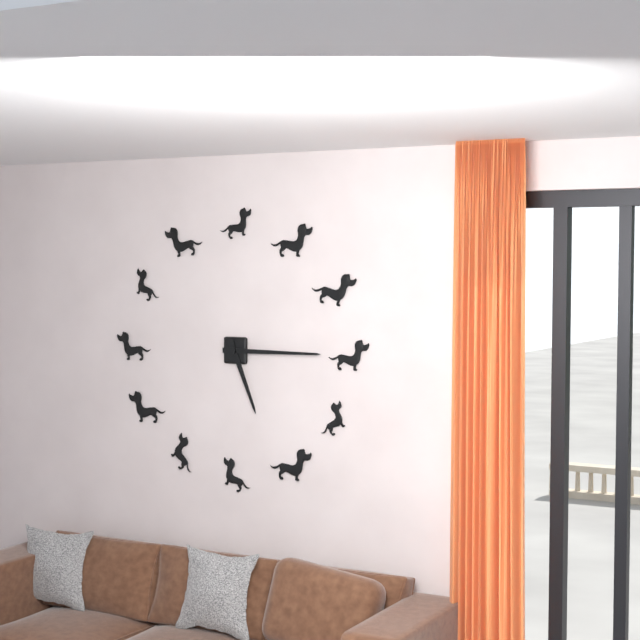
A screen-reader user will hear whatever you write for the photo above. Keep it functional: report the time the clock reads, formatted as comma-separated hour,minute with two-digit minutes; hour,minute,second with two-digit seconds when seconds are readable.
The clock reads 5,15
